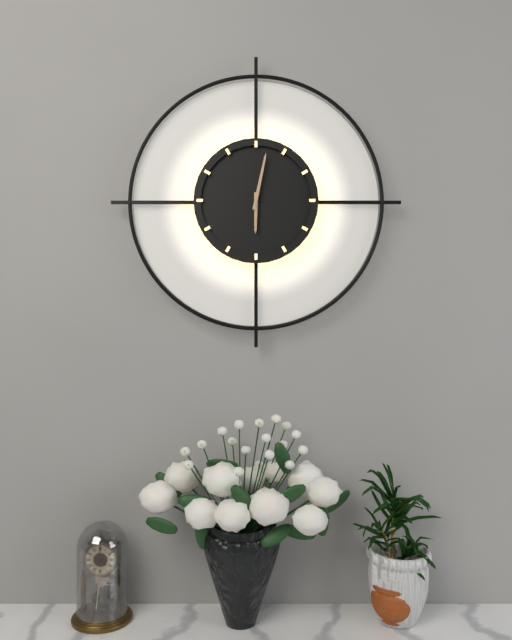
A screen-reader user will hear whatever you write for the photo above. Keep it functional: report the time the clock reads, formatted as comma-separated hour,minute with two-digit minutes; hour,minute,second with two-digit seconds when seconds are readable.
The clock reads 6,02
